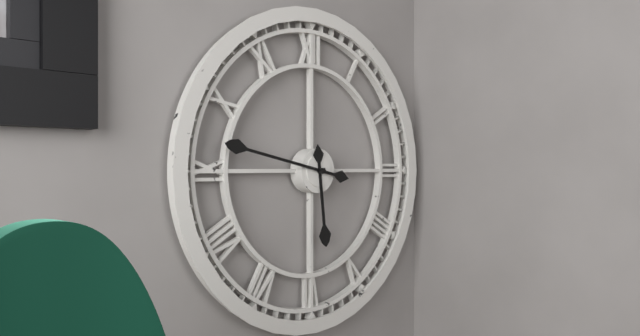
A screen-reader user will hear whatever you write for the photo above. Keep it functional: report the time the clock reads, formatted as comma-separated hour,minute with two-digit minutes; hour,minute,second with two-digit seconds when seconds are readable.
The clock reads 5,47
